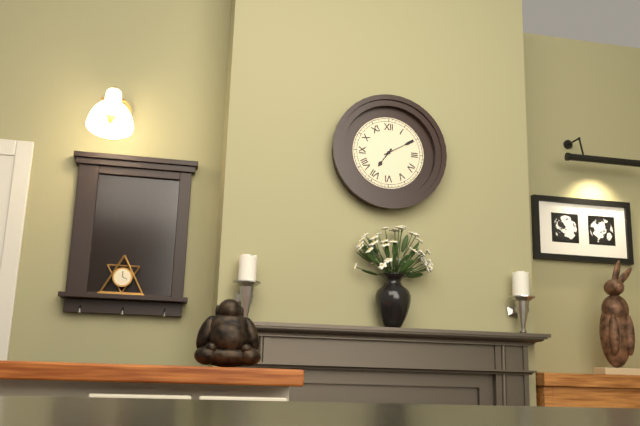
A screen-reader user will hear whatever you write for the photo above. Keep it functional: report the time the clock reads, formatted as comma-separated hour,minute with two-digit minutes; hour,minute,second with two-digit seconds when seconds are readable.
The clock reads 7,10
